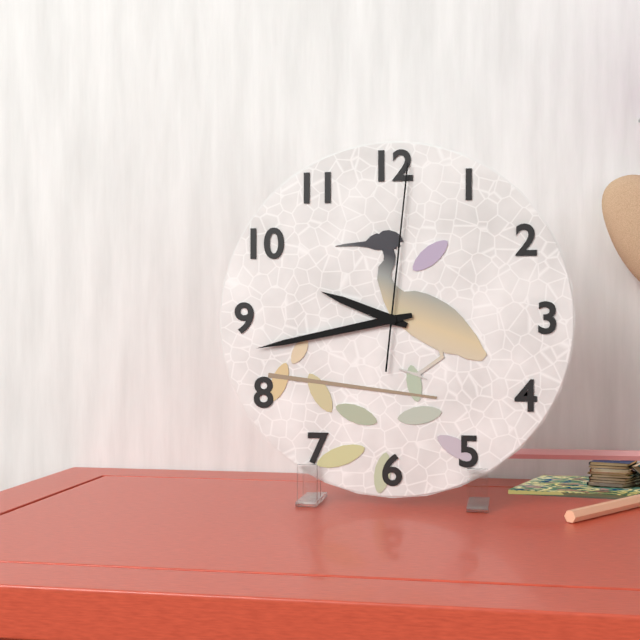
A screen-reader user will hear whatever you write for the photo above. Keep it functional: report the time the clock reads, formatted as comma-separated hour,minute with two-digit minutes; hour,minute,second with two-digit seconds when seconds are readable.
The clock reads 9,43,01
